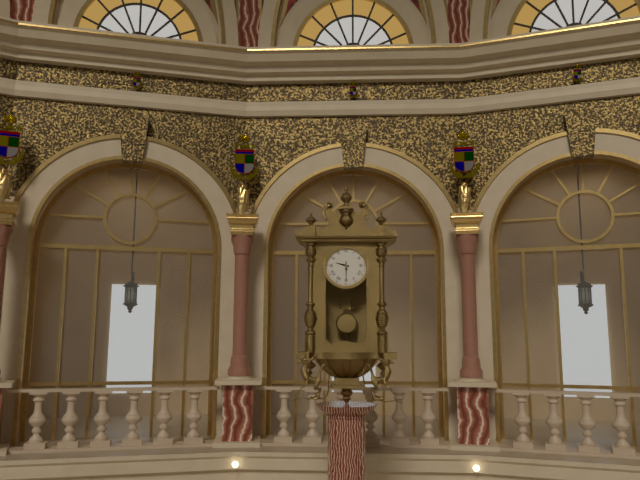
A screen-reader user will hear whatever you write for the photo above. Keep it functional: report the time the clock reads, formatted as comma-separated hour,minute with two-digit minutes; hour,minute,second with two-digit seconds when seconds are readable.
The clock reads 9,30
